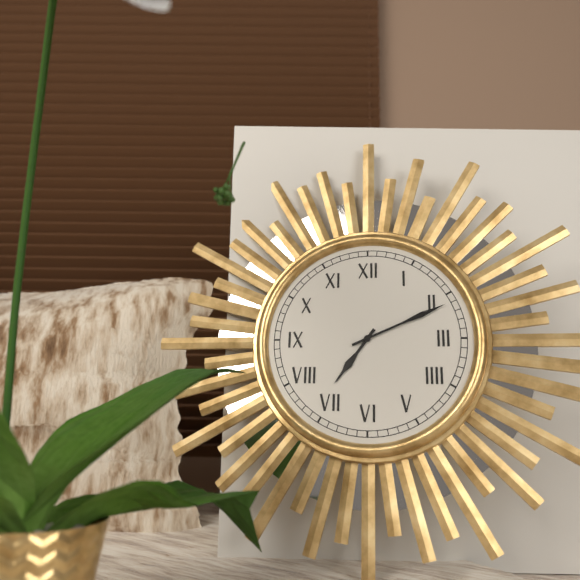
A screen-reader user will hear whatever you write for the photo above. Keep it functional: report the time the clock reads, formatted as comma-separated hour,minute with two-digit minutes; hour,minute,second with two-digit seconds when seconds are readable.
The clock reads 7,11
